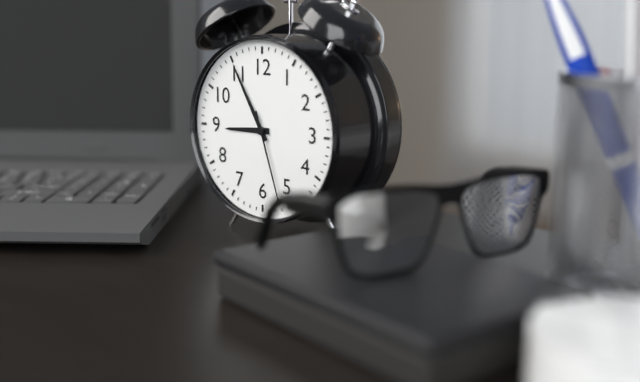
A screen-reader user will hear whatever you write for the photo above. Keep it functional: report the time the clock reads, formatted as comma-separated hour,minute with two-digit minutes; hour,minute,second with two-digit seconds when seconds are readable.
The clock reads 8,55,27
